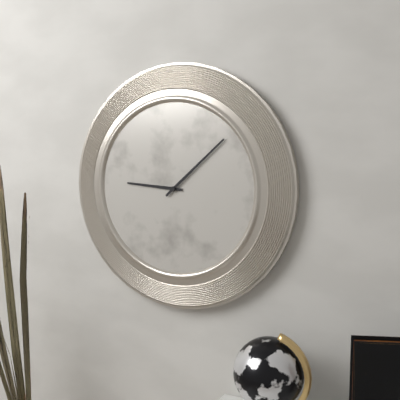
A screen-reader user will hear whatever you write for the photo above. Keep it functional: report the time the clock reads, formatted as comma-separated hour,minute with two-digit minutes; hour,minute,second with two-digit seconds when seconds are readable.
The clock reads 9,08
